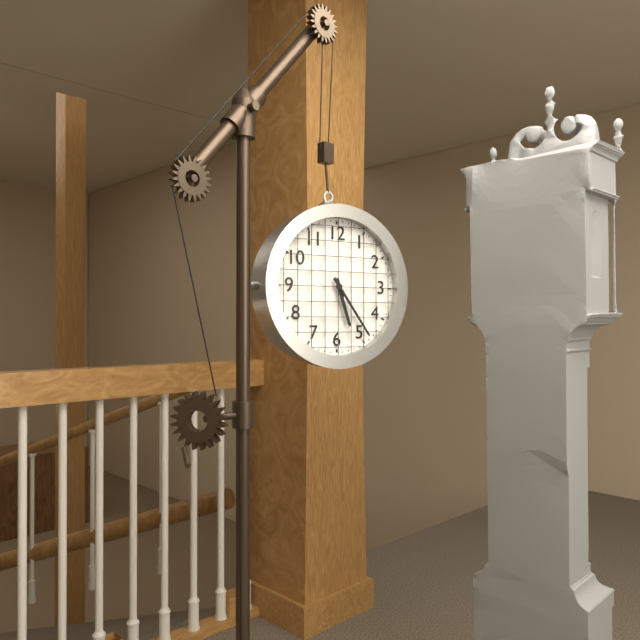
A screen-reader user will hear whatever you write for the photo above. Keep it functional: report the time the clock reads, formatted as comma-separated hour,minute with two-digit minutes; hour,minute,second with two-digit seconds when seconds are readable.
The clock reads 5,24
